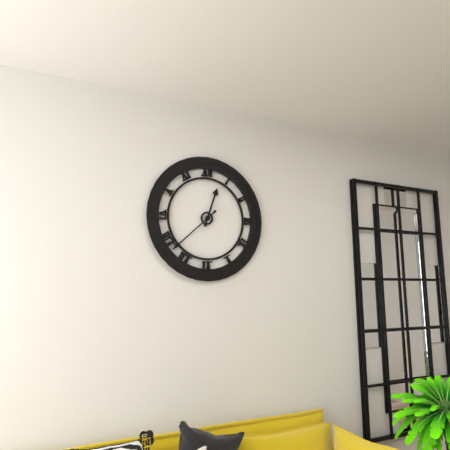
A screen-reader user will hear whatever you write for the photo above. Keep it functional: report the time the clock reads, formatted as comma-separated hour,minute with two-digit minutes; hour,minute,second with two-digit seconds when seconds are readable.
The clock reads 12,38
